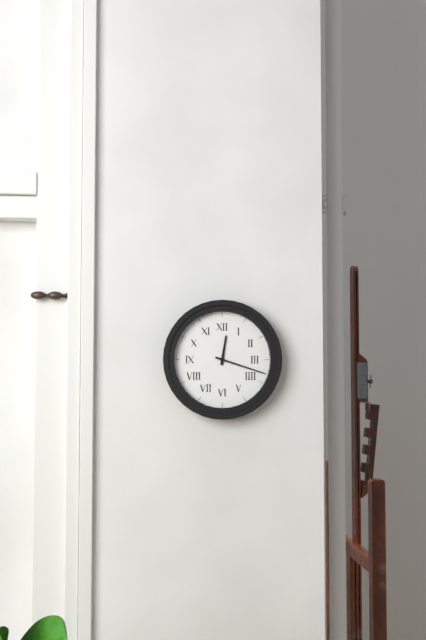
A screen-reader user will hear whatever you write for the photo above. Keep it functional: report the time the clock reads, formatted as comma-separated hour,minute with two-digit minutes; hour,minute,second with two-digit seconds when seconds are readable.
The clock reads 12,18
